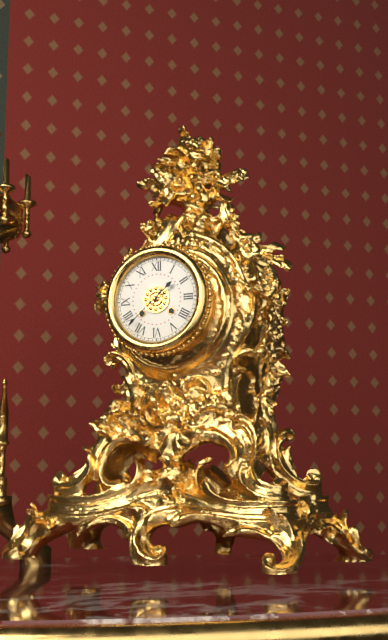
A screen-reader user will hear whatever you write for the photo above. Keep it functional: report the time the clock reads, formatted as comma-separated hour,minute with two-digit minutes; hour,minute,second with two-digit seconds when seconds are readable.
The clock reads 1,38
